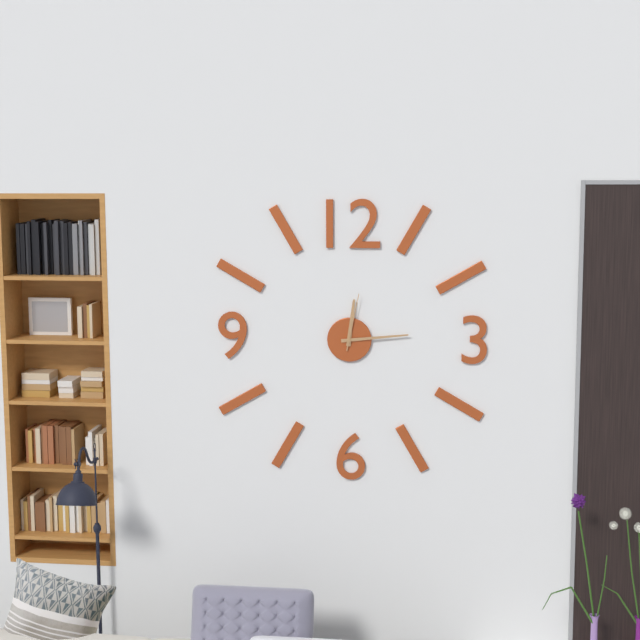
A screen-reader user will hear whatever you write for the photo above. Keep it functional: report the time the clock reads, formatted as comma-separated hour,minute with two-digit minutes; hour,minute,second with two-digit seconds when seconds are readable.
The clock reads 12,14,02
